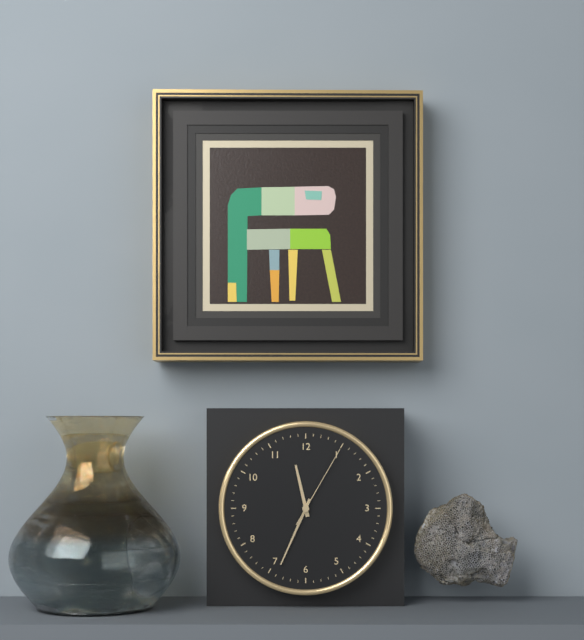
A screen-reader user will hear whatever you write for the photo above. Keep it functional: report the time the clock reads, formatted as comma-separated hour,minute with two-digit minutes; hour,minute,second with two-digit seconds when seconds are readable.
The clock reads 11,34,05
